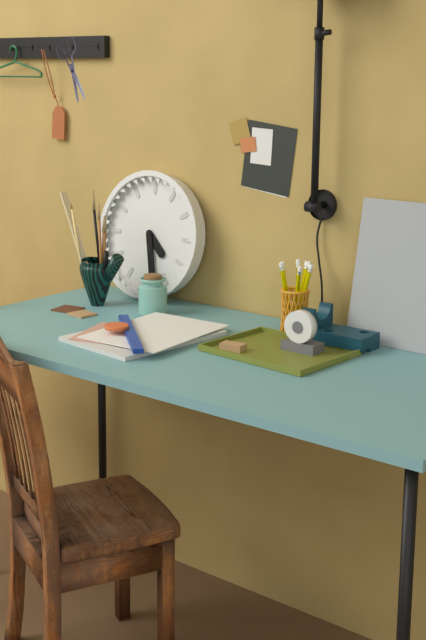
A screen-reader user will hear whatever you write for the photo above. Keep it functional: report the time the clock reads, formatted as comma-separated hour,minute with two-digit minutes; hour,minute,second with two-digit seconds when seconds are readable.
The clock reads 4,28
